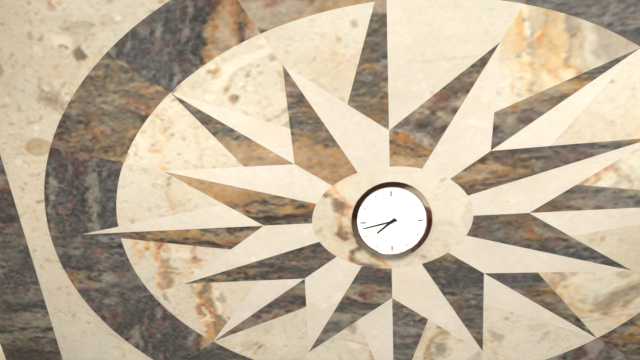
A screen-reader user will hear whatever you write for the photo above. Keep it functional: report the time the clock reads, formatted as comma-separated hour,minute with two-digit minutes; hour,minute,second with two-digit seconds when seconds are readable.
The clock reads 7,43
